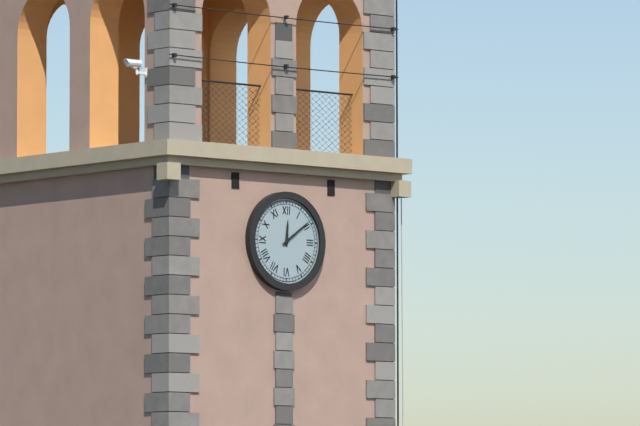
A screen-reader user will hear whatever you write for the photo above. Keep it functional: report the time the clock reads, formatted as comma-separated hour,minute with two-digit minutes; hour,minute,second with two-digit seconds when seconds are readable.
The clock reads 12,09
